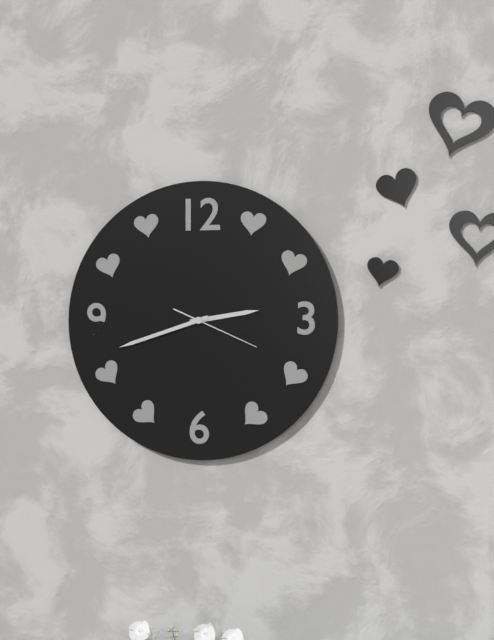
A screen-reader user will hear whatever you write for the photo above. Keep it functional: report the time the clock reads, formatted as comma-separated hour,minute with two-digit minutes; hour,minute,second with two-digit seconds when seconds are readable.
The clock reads 2,42,19
